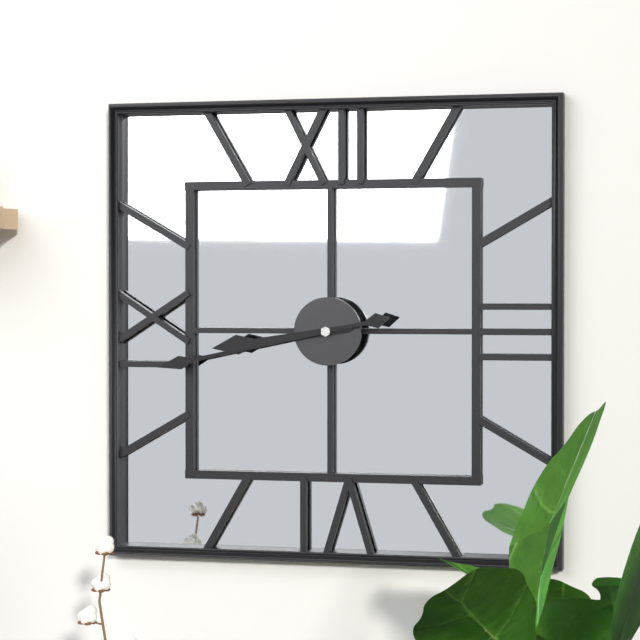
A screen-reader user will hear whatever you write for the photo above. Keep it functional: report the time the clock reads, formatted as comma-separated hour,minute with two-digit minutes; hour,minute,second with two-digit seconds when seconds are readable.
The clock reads 8,43
